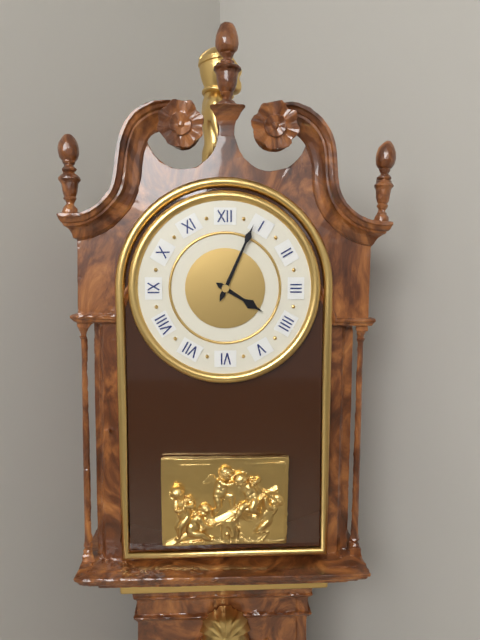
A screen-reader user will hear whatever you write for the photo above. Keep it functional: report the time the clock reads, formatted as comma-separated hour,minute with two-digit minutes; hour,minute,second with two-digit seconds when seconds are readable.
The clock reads 4,04
